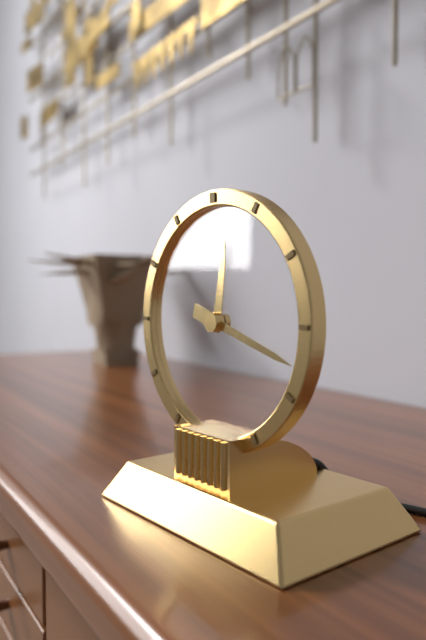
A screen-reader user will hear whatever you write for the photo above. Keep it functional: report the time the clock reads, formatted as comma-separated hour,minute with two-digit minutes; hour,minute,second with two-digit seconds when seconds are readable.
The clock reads 12,18
